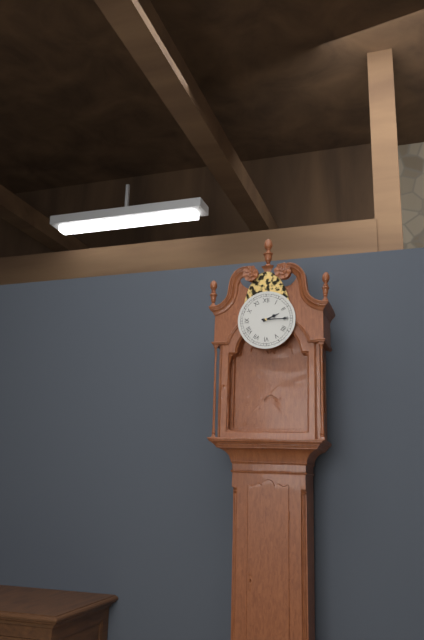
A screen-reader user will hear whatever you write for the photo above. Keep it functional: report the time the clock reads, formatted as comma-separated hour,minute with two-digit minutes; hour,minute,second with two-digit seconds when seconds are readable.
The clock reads 2,15
